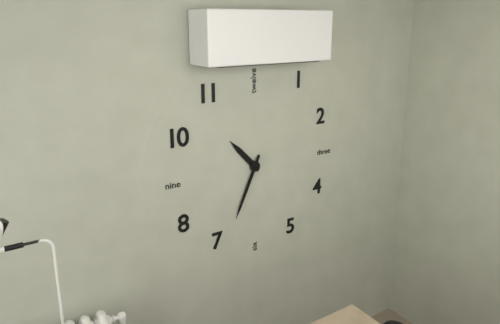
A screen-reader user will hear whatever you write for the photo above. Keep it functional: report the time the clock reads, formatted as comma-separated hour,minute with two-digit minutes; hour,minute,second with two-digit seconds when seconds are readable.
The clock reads 10,34
